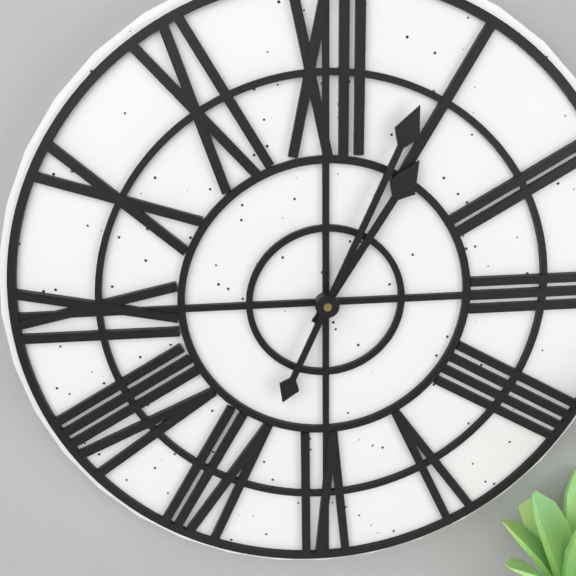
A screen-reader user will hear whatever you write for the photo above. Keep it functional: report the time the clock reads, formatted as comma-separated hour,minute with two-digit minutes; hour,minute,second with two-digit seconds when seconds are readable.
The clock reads 1,04
